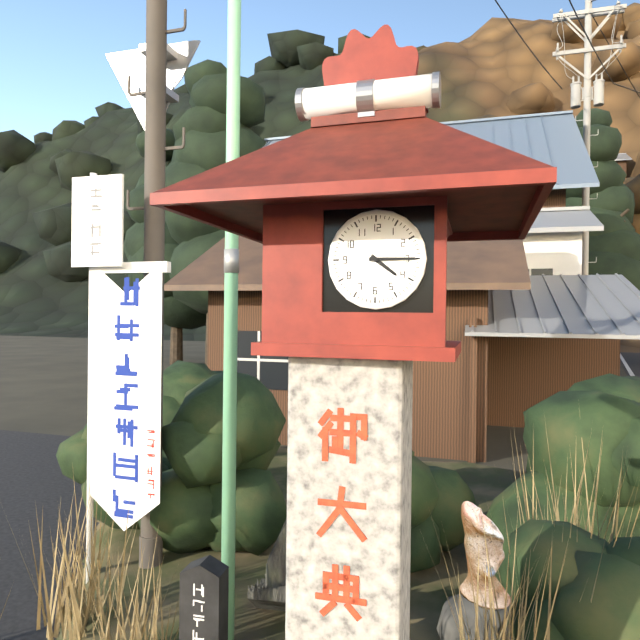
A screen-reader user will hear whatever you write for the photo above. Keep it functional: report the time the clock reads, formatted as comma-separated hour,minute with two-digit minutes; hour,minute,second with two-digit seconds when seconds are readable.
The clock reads 4,15
